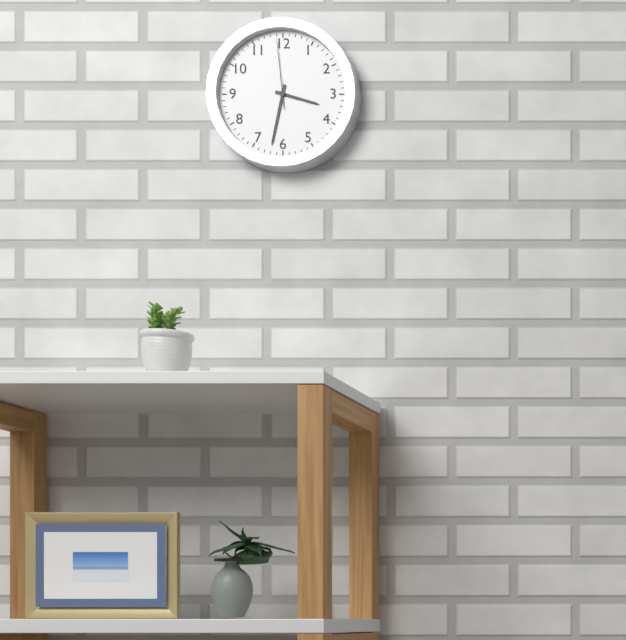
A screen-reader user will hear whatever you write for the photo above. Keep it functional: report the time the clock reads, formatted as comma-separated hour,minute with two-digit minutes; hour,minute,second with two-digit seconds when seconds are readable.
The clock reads 3,32,59
